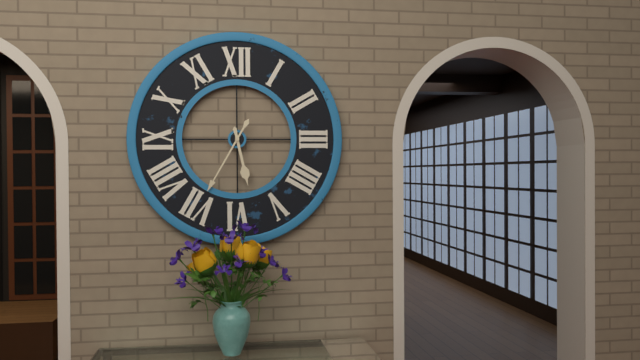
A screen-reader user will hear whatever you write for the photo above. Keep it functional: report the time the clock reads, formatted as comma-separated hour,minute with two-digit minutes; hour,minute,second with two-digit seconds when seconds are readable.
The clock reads 5,35
